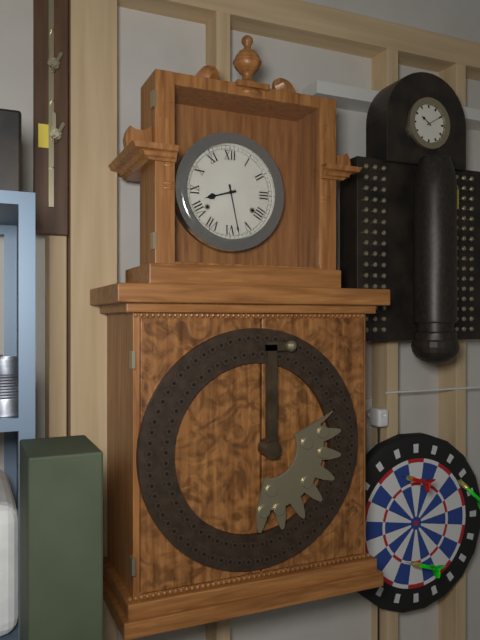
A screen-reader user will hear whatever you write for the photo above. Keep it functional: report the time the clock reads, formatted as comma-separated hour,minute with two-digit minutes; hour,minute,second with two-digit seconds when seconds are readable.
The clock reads 8,28
